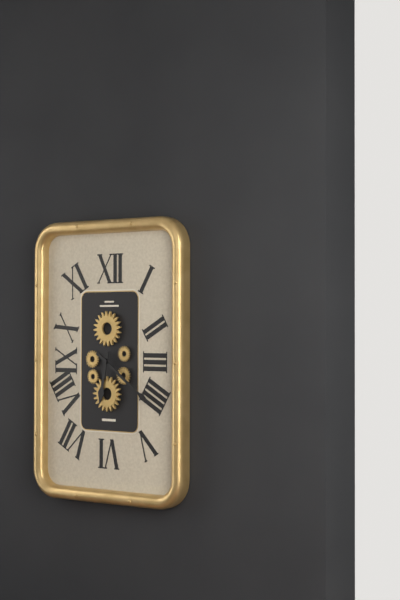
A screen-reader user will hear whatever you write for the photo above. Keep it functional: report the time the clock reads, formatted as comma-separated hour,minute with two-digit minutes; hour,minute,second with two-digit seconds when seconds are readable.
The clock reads 6,21
